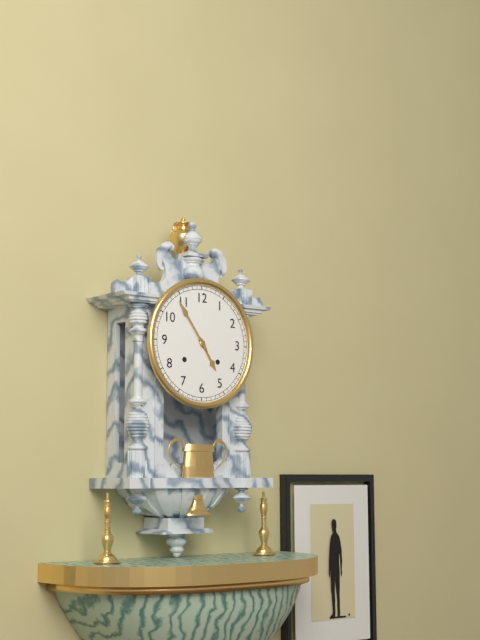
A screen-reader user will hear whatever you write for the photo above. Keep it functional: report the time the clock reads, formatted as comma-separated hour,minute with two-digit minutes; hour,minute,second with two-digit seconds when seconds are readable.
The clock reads 4,54
